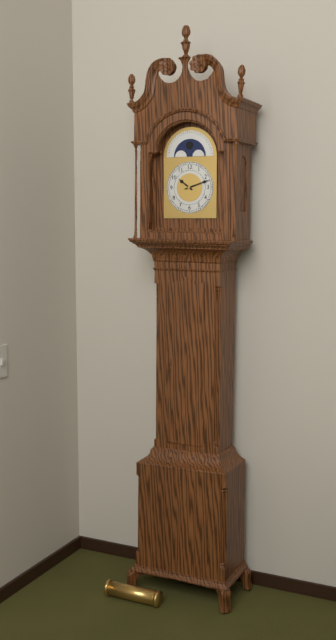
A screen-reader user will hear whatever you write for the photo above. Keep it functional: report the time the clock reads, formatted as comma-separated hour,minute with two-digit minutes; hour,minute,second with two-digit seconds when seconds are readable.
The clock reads 10,12
